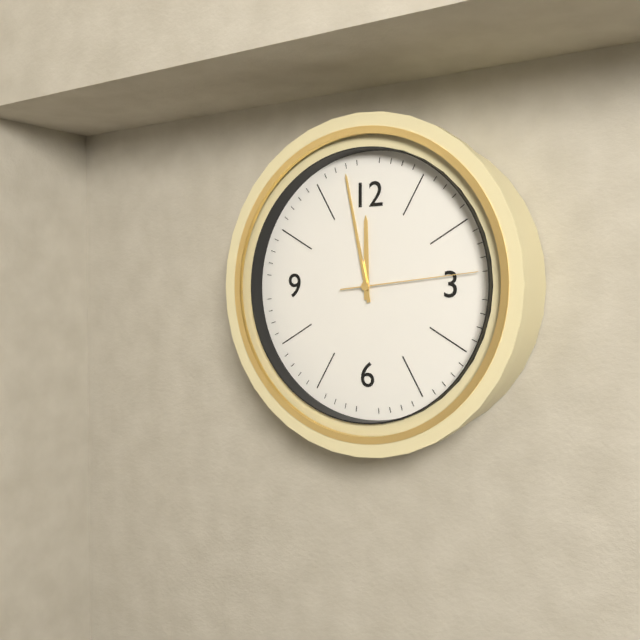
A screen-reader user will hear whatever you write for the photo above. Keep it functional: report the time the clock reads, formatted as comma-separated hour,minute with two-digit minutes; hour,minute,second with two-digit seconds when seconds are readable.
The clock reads 11,58,14
